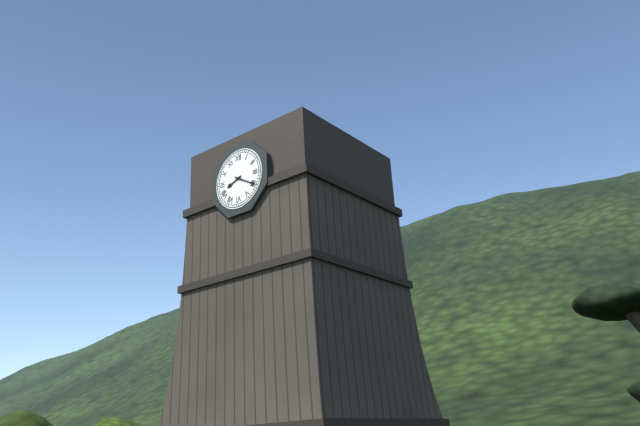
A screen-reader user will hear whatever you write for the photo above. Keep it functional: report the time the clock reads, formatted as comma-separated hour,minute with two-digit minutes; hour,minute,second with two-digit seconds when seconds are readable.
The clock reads 8,20
